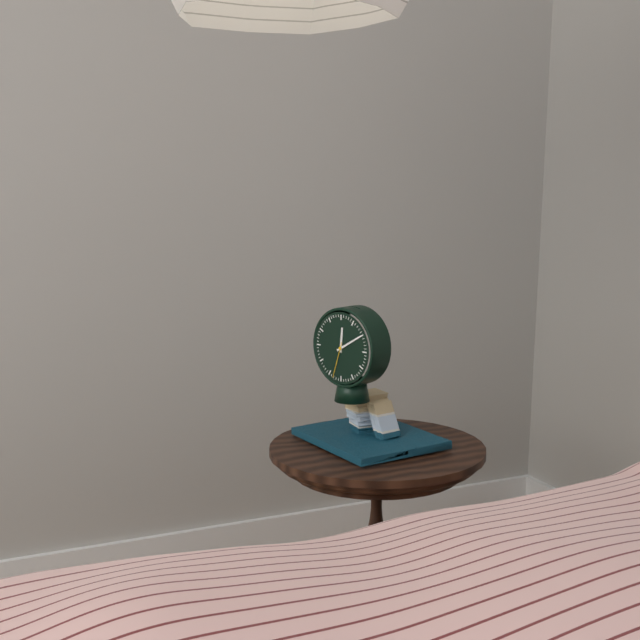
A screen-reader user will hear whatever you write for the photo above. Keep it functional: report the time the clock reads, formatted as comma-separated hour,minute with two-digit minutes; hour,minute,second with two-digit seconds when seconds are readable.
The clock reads 12,10
